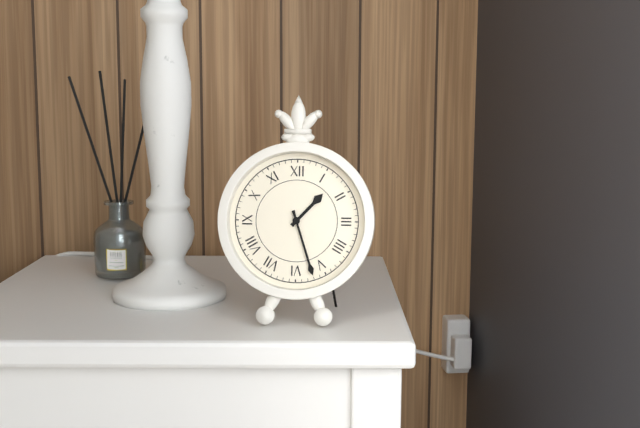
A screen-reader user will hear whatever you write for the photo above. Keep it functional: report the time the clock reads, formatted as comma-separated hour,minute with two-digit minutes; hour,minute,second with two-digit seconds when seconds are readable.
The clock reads 1,27
